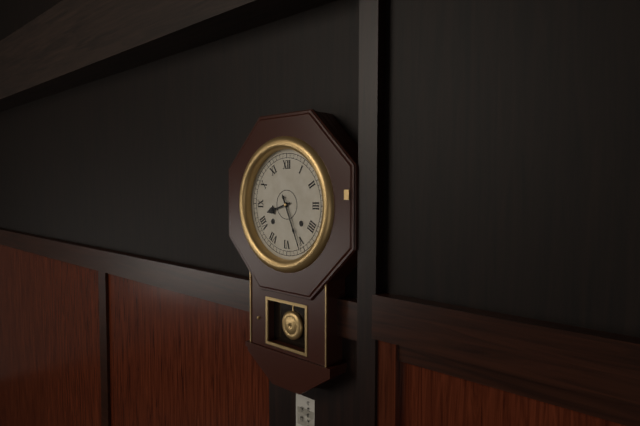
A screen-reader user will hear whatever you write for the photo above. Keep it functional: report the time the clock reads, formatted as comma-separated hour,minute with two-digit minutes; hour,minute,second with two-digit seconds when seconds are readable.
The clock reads 8,26
